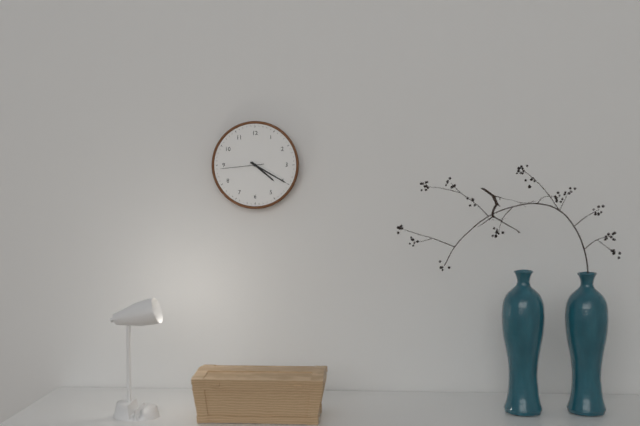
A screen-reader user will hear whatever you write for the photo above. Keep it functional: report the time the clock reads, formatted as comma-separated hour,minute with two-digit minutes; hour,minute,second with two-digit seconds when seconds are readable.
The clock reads 4,20
